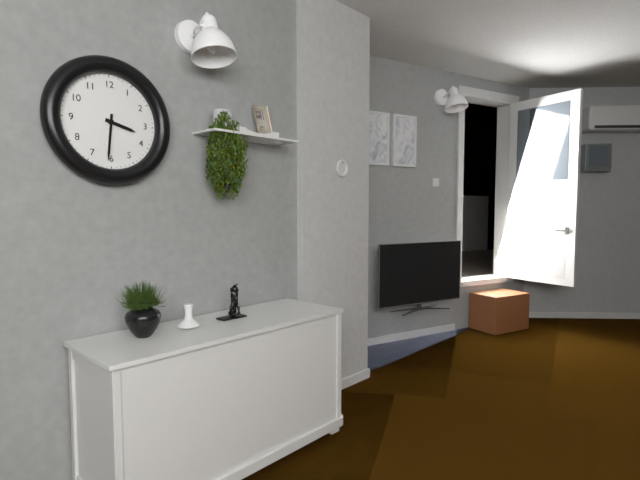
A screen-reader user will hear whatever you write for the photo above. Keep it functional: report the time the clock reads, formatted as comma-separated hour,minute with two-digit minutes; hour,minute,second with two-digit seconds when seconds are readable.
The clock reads 3,31
